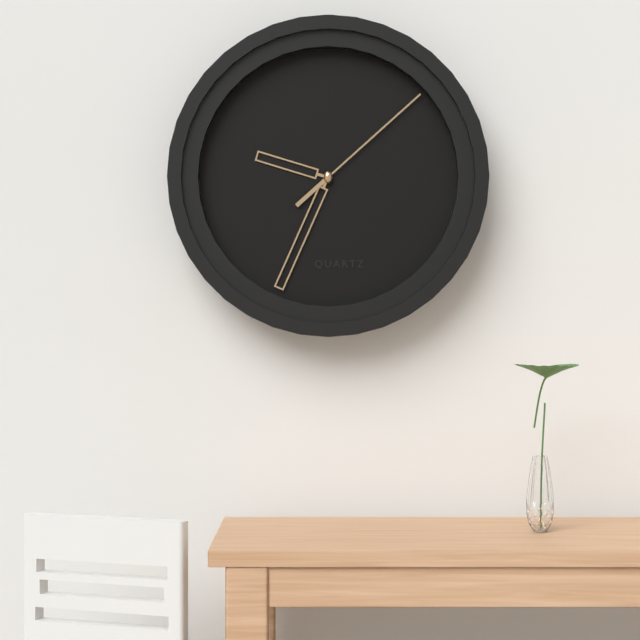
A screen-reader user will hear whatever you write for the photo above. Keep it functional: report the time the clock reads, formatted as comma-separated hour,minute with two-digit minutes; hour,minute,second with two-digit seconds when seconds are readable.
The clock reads 9,34,08
